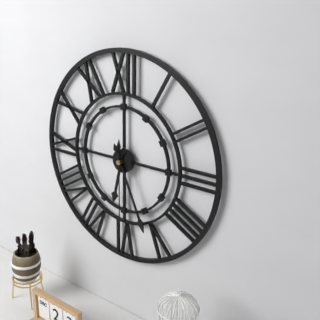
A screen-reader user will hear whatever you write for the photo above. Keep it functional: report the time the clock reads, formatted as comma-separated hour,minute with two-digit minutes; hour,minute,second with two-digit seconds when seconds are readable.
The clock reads 6,26,30
